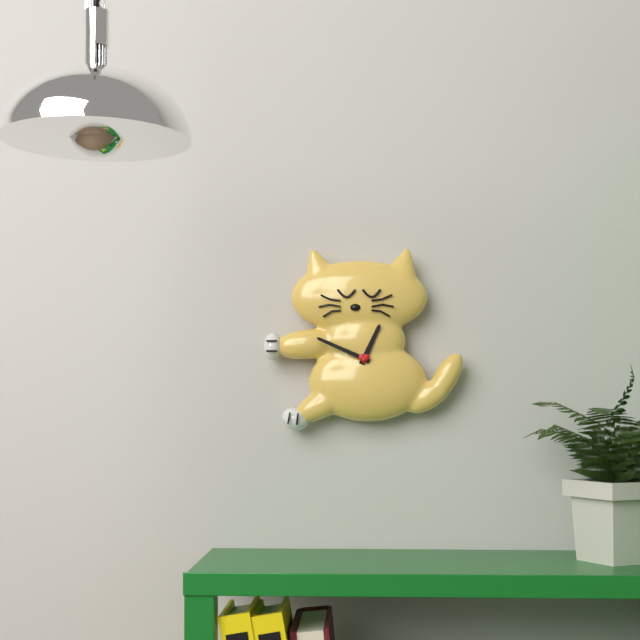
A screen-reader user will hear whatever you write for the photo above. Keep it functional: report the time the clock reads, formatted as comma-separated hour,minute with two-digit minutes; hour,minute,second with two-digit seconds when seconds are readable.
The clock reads 12,49
